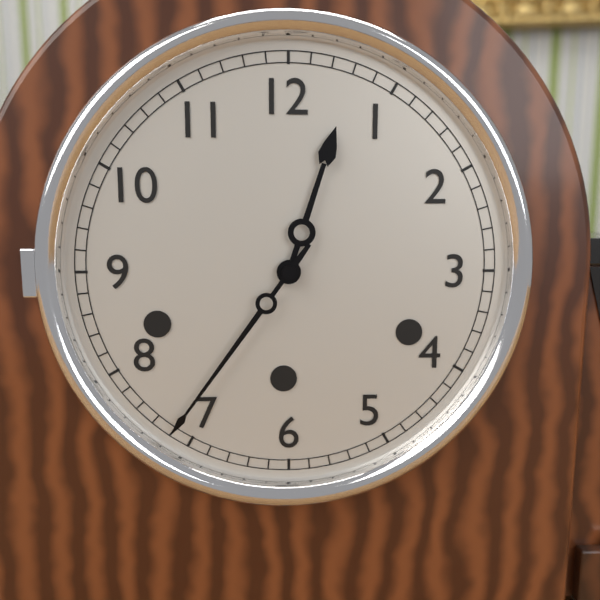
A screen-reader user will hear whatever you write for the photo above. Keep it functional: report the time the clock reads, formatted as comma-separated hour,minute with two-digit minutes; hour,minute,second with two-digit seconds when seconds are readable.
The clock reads 12,36
